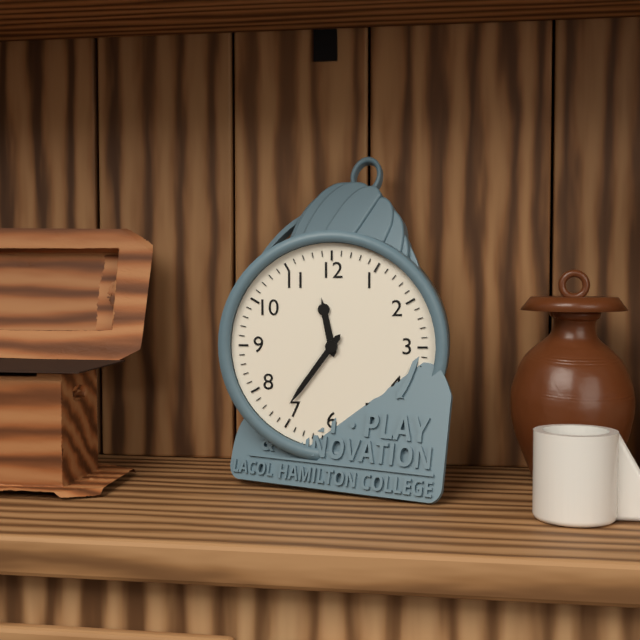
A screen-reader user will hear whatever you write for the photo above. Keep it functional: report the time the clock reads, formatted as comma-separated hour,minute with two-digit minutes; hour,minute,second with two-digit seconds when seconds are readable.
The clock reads 11,36
